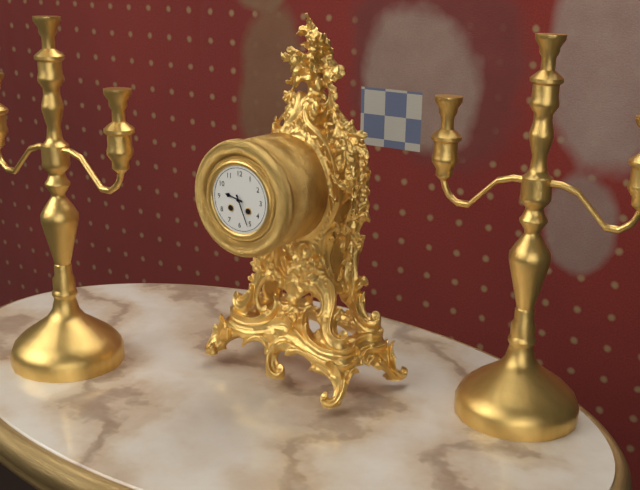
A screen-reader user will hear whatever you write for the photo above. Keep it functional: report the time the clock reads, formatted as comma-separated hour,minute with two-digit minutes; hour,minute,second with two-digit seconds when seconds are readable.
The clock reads 9,26
